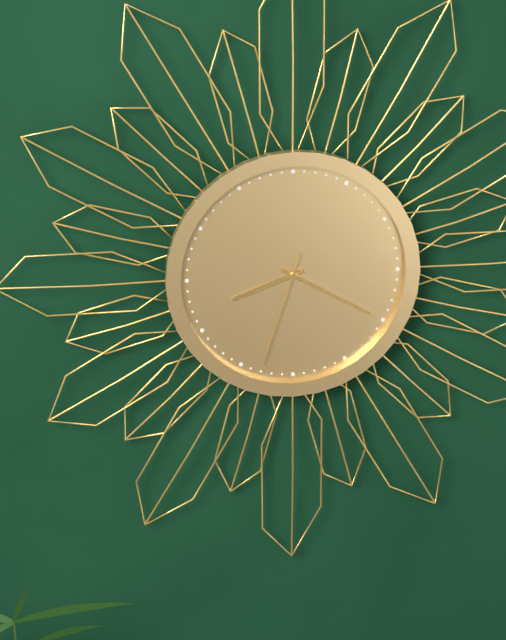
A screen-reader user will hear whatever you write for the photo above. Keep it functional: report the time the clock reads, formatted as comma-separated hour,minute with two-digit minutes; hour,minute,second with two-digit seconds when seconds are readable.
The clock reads 8,20,33
